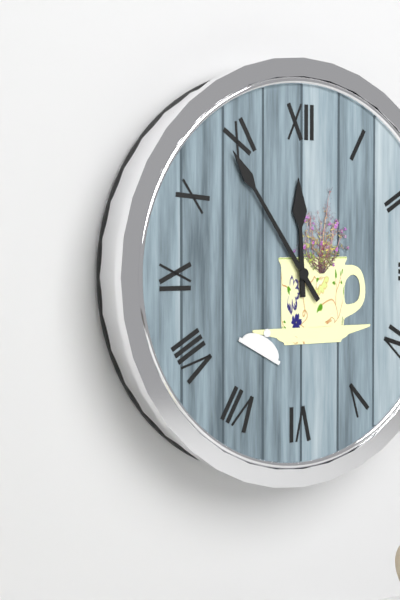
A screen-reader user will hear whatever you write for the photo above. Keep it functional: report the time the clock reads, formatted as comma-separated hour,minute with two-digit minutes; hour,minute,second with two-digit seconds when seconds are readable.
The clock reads 11,54
